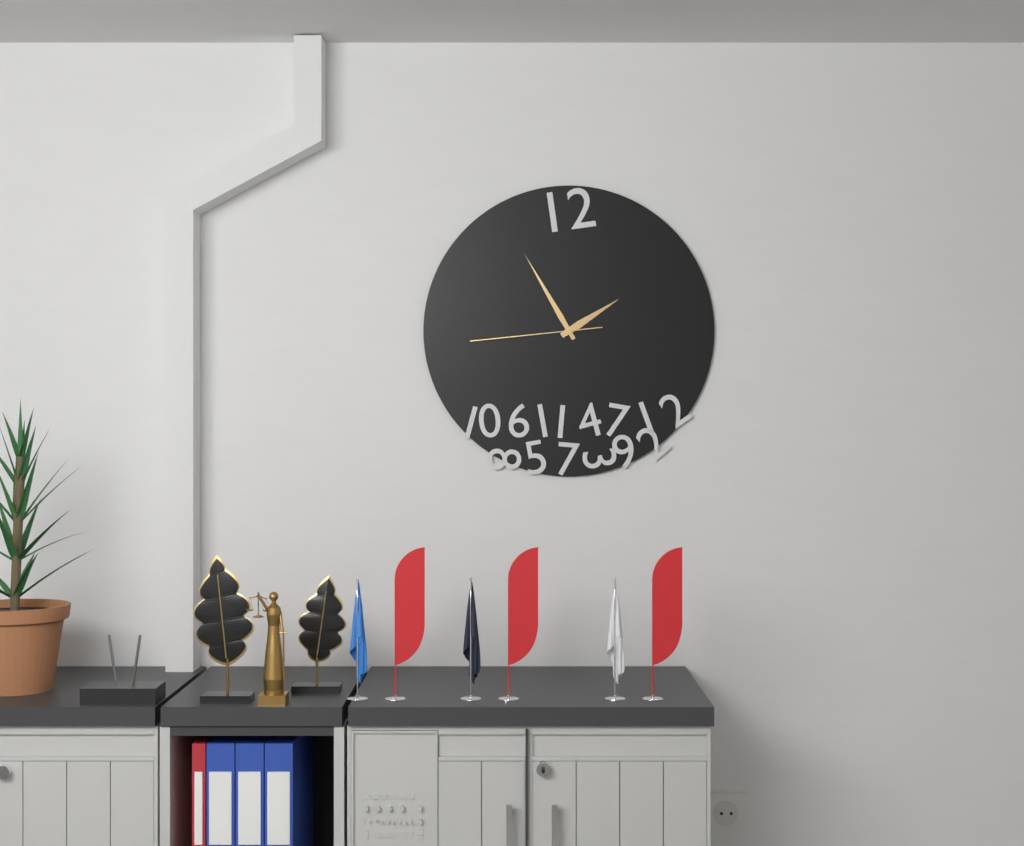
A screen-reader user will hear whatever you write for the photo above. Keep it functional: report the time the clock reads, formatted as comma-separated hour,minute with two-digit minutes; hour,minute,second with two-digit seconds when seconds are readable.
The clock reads 1,55,44
